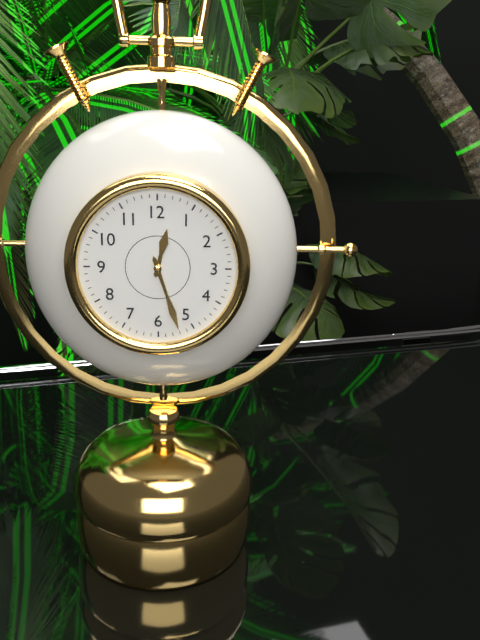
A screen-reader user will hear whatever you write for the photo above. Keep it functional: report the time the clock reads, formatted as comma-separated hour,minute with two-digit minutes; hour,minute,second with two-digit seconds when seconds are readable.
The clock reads 12,27
